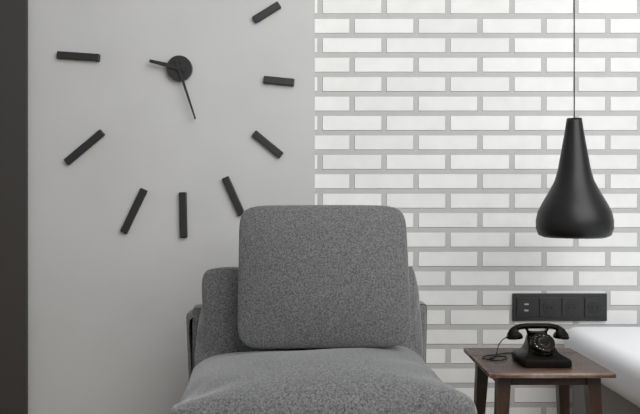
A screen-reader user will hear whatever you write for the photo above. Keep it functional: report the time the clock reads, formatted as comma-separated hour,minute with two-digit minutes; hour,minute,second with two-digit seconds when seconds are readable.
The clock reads 9,27
